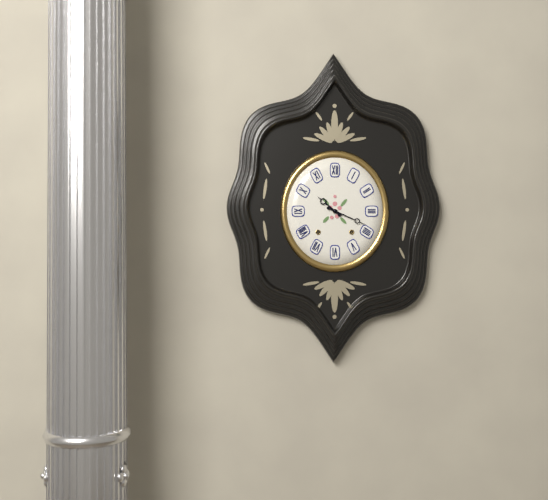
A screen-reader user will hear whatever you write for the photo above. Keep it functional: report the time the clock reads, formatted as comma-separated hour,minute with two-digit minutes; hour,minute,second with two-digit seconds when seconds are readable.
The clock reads 10,19
